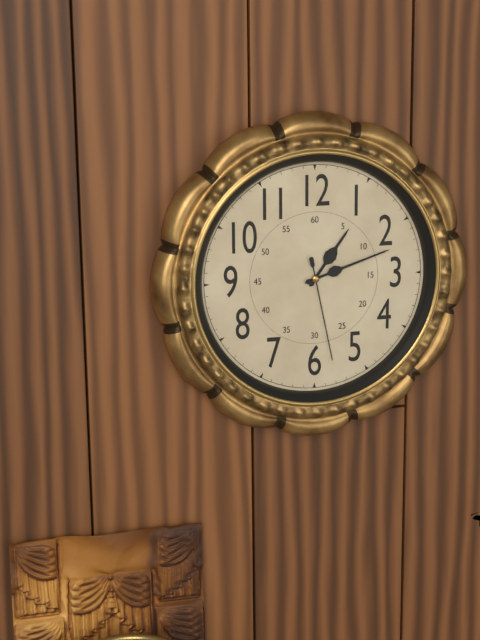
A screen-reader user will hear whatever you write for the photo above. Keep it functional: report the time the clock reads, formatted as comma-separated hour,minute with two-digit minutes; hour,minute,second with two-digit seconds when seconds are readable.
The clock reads 1,12,28
